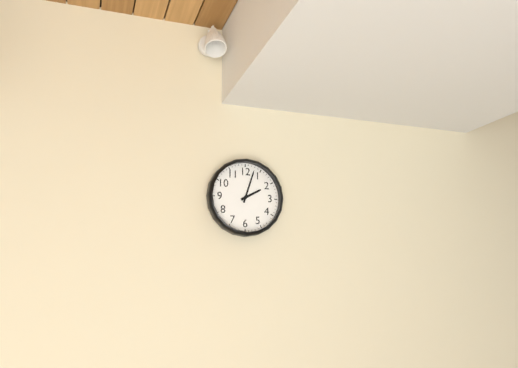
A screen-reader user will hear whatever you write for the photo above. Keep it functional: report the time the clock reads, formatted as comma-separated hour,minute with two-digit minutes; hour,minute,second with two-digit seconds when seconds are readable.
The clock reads 2,03
